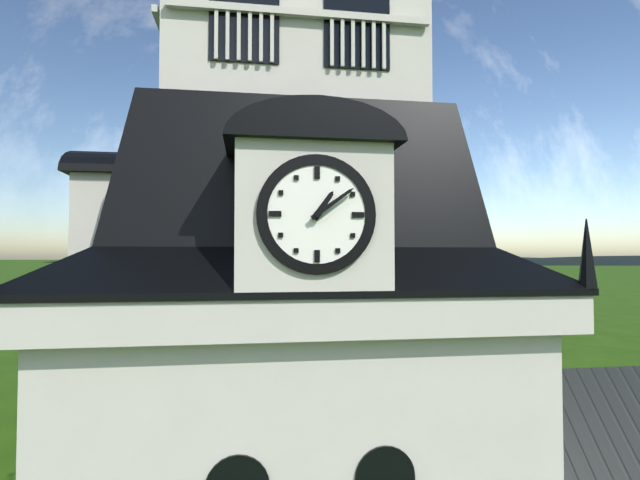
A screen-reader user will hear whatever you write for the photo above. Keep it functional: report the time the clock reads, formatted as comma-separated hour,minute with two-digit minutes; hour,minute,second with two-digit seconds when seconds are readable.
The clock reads 1,09
